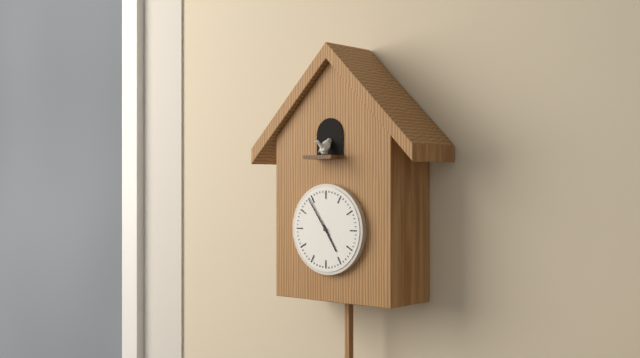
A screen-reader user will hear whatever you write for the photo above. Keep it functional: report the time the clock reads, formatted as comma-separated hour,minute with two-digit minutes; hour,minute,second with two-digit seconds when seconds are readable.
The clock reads 4,54
